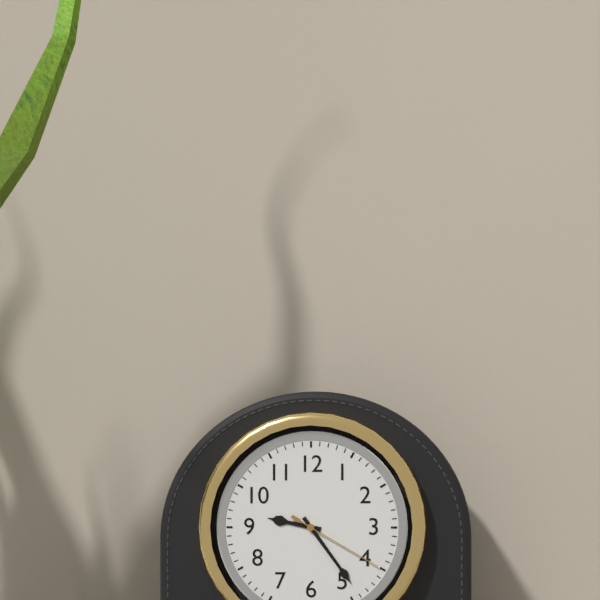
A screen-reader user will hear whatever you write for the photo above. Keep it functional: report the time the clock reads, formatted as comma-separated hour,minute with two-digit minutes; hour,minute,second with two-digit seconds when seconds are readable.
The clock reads 9,24,20
